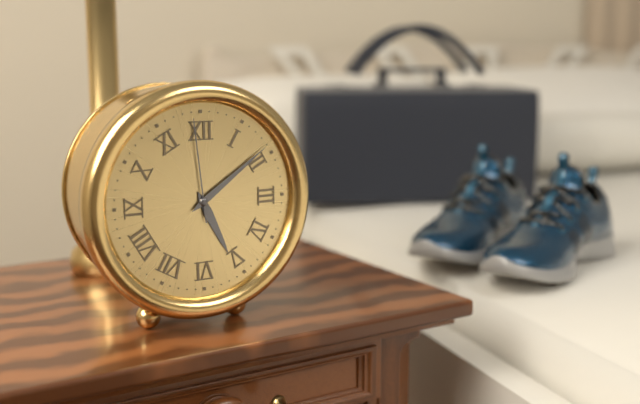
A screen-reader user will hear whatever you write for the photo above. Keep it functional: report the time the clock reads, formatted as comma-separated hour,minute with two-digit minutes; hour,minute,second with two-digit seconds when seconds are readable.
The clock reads 5,09,59
